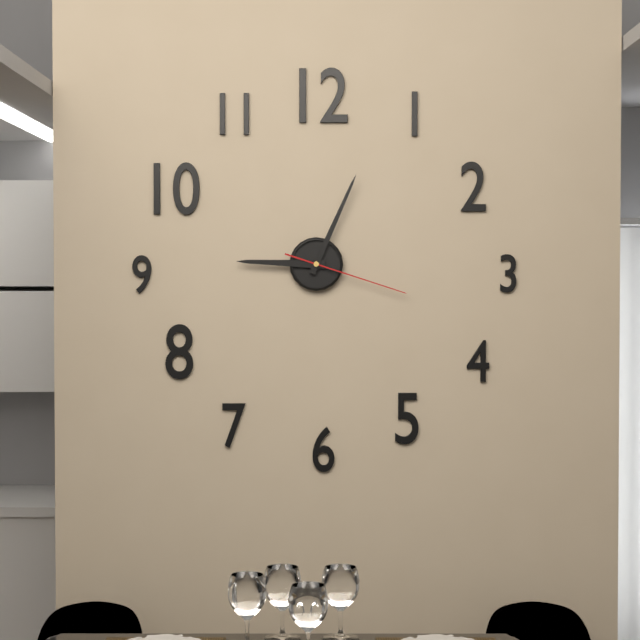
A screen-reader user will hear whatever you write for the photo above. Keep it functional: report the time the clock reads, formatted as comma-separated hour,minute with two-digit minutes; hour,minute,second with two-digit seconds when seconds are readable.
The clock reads 9,04,18
